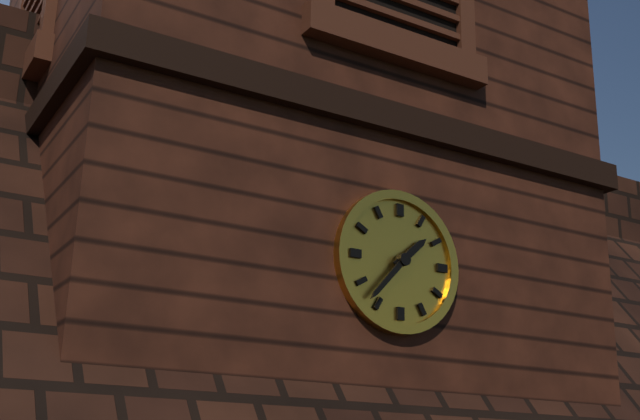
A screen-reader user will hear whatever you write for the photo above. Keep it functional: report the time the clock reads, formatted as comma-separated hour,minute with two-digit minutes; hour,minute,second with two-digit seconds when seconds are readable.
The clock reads 1,37
